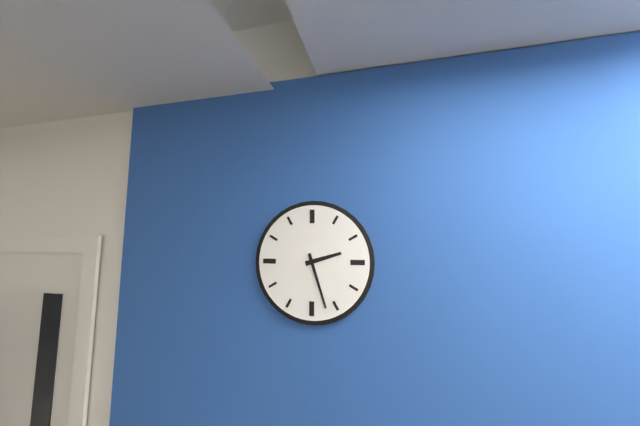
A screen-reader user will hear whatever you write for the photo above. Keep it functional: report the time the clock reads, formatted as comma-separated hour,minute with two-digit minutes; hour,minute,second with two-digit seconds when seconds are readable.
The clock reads 2,27
